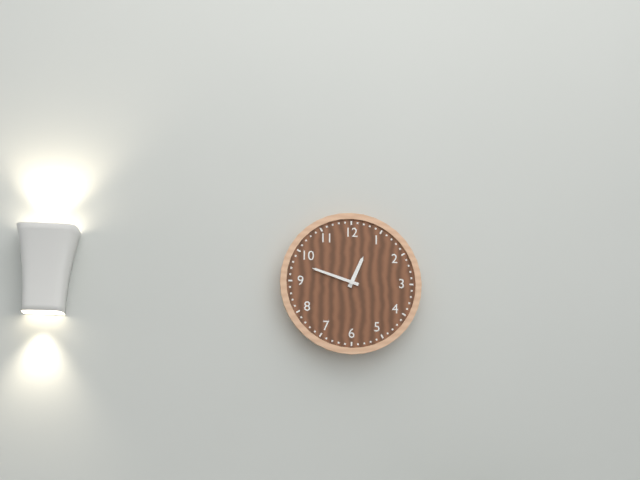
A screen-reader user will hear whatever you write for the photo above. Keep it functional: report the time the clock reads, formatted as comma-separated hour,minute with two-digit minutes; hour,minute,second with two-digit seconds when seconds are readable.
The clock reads 12,48
